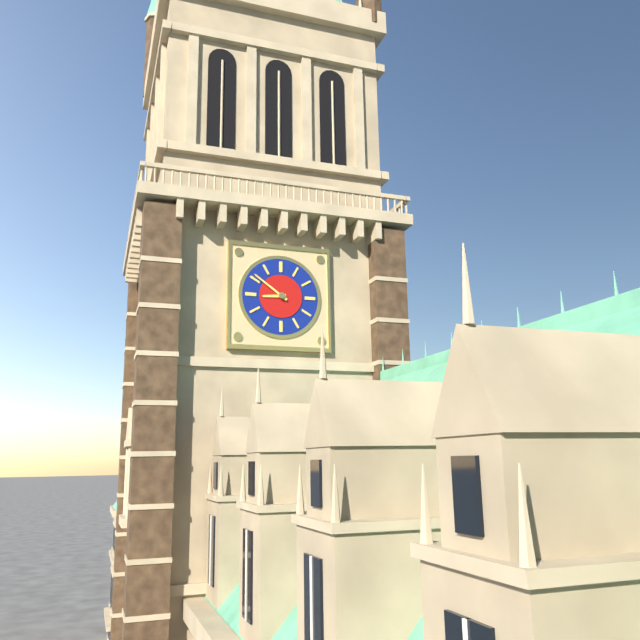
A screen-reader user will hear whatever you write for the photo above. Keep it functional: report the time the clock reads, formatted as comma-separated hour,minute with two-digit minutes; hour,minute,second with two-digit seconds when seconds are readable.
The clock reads 8,51
